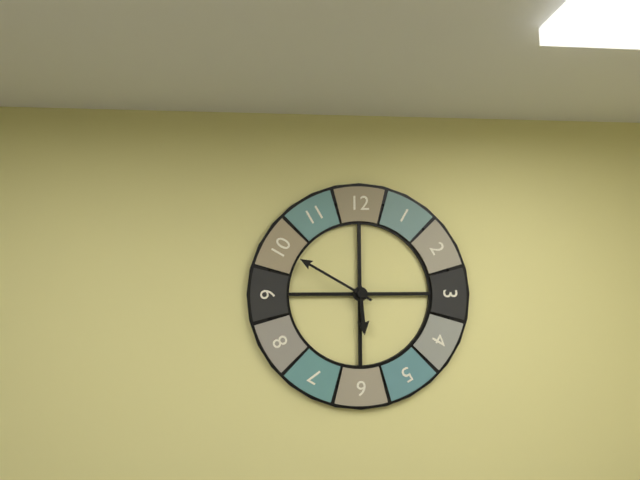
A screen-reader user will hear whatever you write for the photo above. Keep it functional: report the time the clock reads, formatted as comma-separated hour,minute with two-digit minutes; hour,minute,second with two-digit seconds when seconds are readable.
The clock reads 5,50
